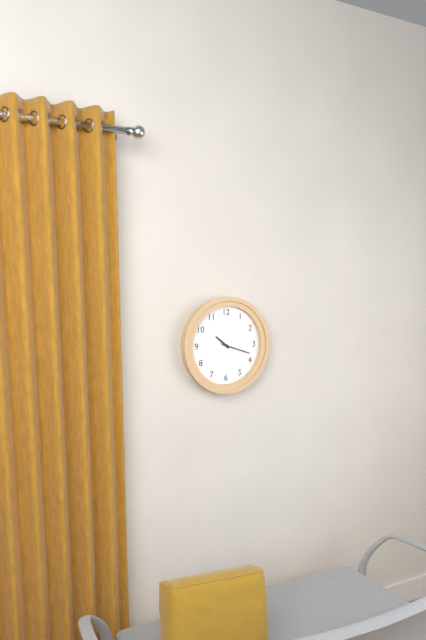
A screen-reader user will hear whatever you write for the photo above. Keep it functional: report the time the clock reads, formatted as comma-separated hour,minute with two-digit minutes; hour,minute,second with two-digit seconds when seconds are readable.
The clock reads 10,18
